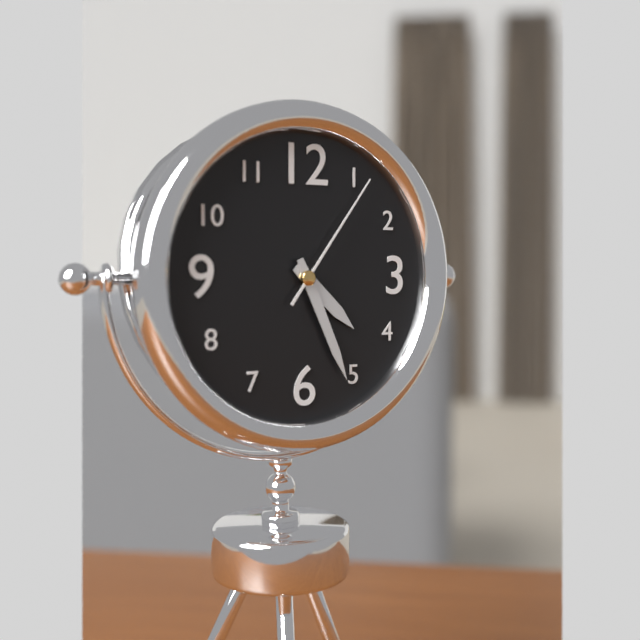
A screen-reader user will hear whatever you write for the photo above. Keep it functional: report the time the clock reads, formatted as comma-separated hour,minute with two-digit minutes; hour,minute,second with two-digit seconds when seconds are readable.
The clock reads 4,26,06
